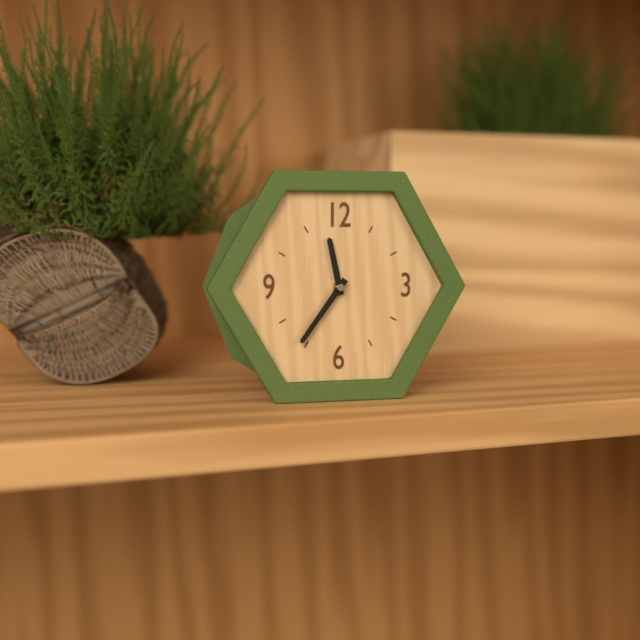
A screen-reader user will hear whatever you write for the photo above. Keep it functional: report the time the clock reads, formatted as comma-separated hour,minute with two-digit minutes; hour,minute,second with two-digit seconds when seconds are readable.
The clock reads 11,36
